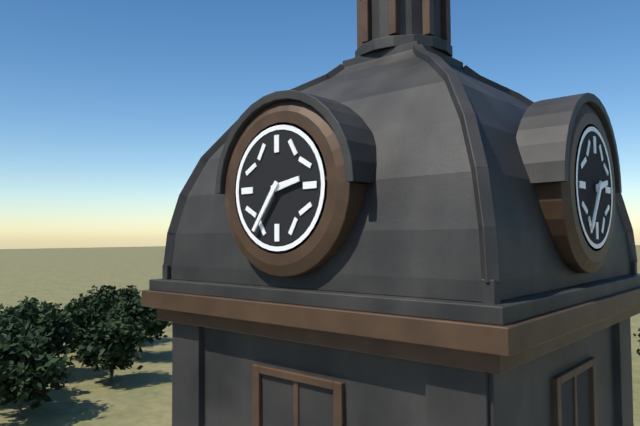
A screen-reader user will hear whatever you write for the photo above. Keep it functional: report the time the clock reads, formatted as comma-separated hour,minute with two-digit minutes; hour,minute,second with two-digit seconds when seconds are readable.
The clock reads 2,36
